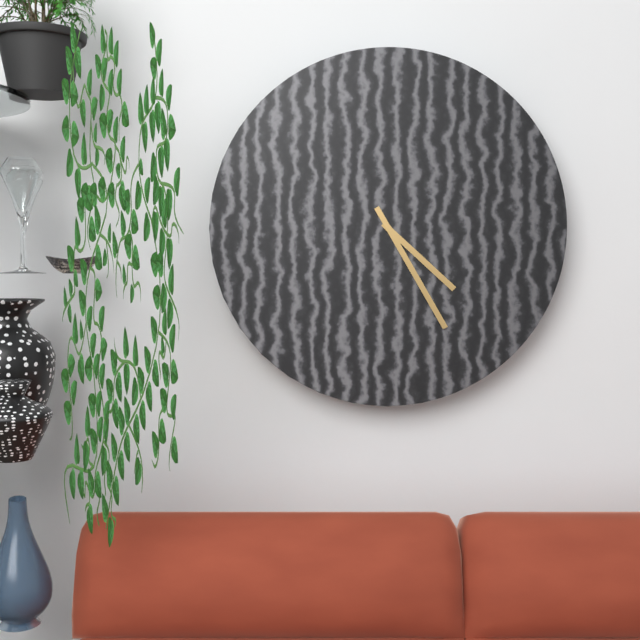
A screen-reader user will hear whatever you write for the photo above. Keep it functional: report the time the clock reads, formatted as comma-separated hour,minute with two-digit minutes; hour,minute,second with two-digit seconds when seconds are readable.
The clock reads 4,25
